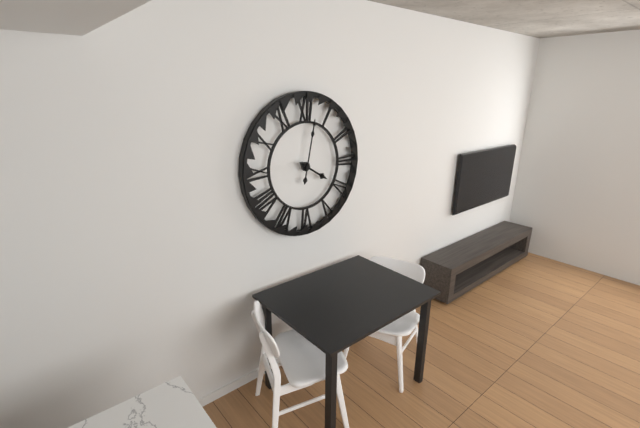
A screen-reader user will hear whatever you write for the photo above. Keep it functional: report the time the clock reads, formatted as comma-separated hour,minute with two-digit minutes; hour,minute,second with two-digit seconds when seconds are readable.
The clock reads 4,02
